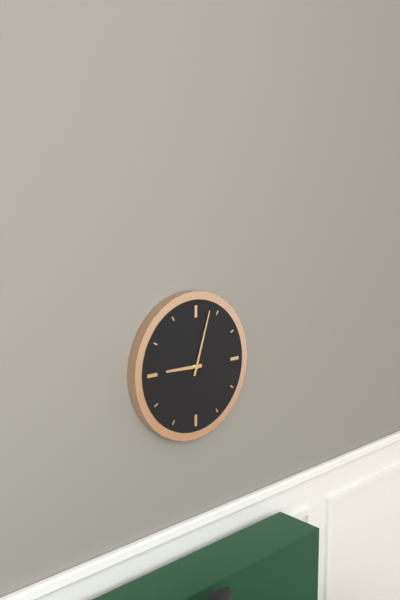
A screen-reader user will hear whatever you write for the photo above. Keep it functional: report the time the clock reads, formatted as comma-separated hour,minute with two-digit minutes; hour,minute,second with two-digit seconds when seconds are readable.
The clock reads 9,03
